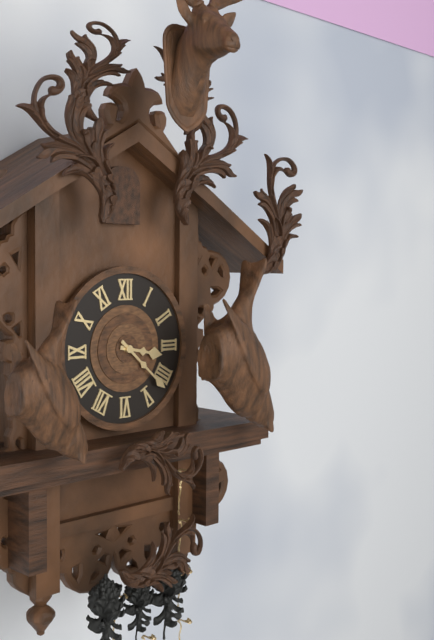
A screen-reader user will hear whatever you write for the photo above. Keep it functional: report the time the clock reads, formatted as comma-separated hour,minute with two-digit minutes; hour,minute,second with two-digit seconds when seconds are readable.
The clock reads 3,22
